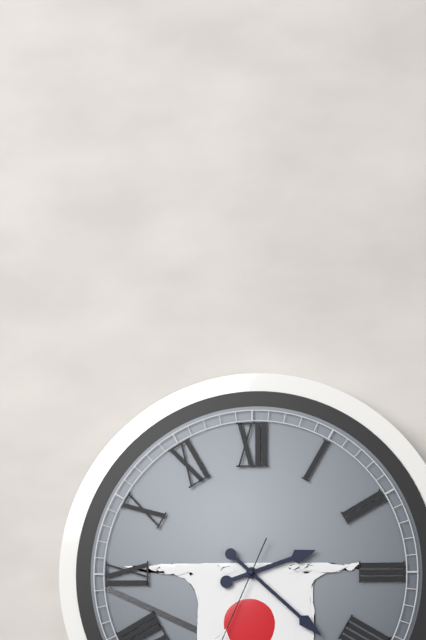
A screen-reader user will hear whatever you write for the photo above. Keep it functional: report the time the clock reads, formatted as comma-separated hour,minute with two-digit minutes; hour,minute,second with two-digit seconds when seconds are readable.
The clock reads 2,22
